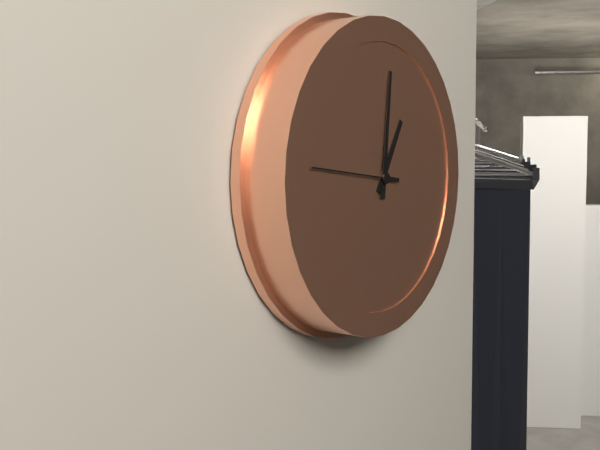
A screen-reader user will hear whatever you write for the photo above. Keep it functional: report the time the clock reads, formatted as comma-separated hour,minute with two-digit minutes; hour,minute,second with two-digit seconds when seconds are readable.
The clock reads 1,01,46
